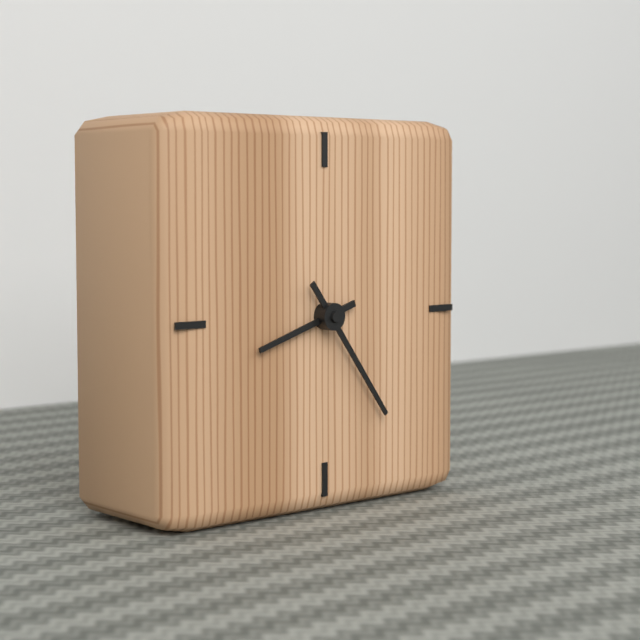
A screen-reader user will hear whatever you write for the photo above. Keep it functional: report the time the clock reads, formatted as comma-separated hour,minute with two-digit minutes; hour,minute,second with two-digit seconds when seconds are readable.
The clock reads 8,24
